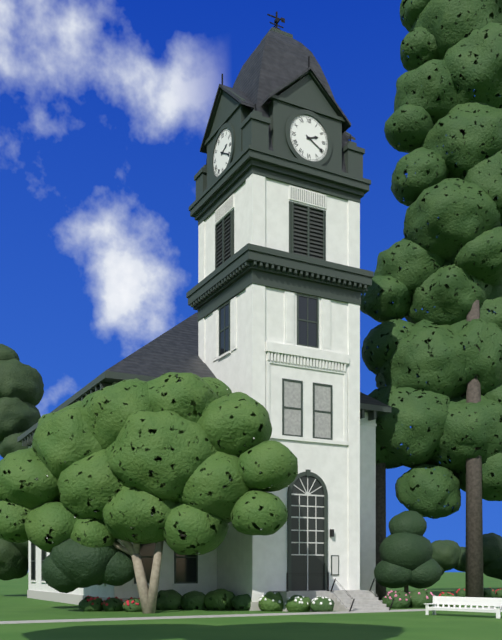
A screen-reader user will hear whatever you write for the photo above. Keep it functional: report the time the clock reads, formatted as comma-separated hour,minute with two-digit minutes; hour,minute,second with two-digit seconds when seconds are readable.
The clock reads 2,20
